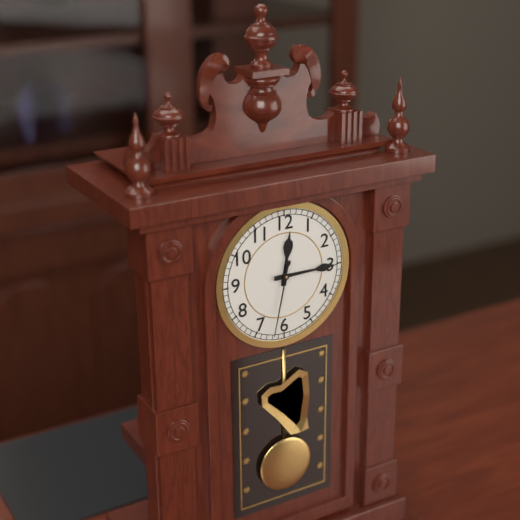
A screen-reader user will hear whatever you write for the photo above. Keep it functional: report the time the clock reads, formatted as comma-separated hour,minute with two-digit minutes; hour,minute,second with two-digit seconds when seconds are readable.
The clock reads 12,15,32
